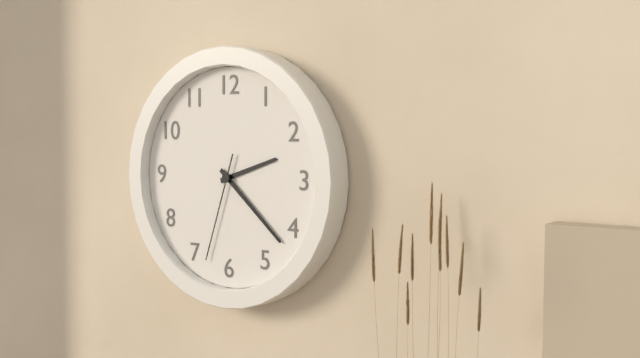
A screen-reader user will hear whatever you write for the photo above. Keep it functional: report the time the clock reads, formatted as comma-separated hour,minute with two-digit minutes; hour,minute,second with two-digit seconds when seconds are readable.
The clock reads 2,22,33
